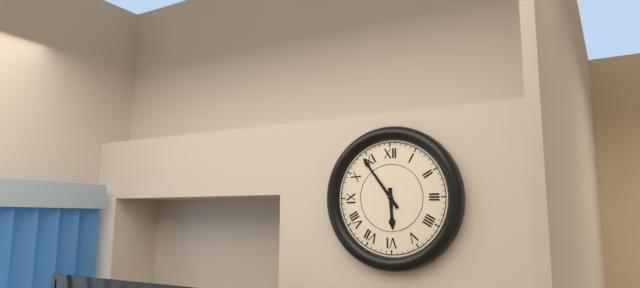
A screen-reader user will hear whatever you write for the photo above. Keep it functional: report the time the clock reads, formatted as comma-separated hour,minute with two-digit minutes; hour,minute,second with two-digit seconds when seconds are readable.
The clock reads 5,54
